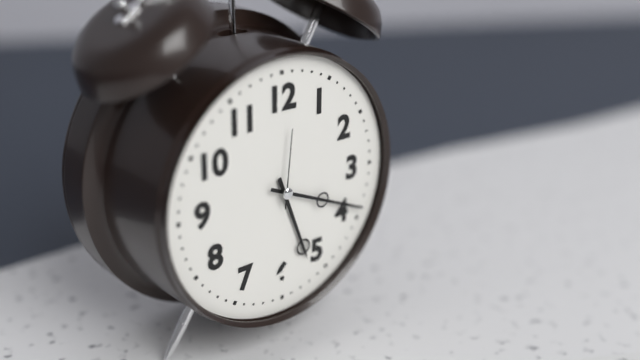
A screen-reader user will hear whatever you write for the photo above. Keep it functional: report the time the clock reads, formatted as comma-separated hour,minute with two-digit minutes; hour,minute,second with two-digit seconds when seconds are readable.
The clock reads 5,19,01
